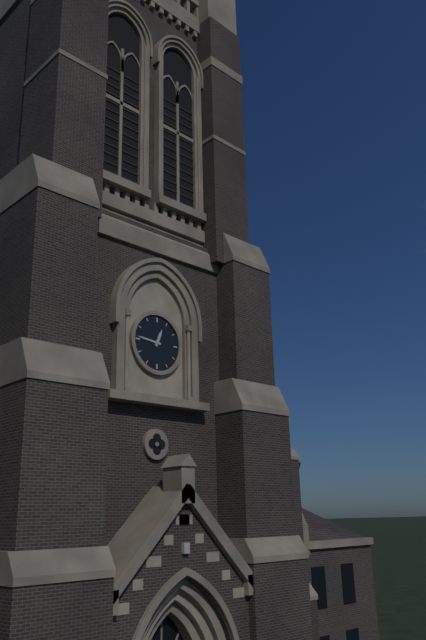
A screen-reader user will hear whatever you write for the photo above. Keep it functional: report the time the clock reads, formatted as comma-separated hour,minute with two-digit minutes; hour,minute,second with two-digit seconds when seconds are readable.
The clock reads 12,46
